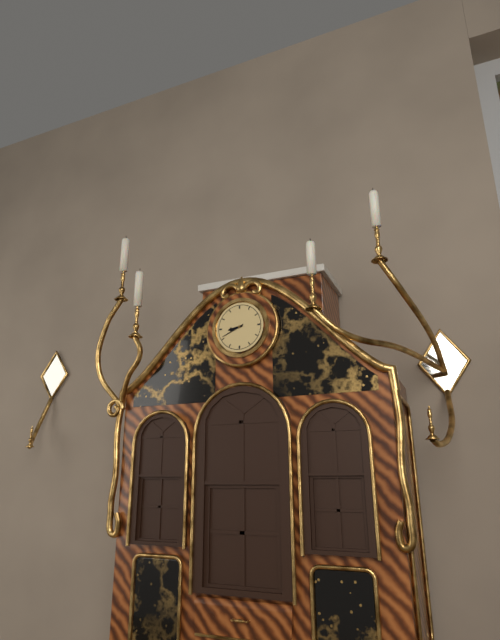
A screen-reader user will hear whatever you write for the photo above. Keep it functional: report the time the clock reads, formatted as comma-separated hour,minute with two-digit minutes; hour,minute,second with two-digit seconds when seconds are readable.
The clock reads 8,41
